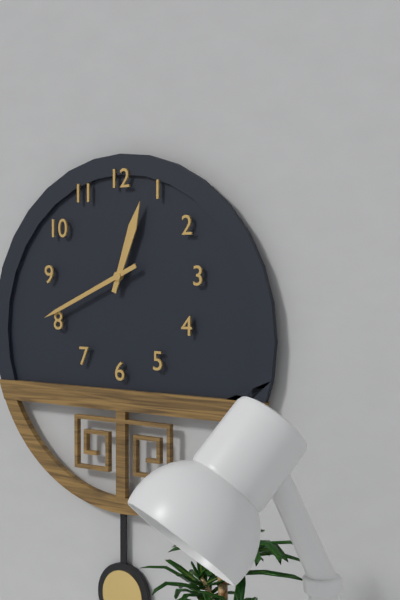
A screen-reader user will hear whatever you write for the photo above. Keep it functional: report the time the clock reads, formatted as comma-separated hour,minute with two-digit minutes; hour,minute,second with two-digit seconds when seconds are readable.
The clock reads 12,41
